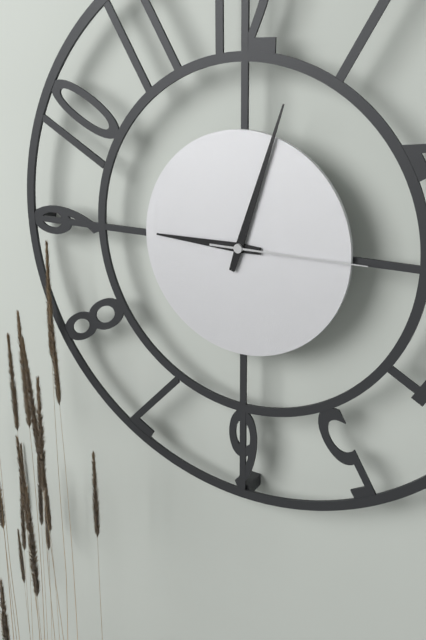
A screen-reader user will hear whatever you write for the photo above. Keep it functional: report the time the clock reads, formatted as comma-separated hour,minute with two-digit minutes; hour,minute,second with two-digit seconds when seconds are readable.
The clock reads 9,03,15
